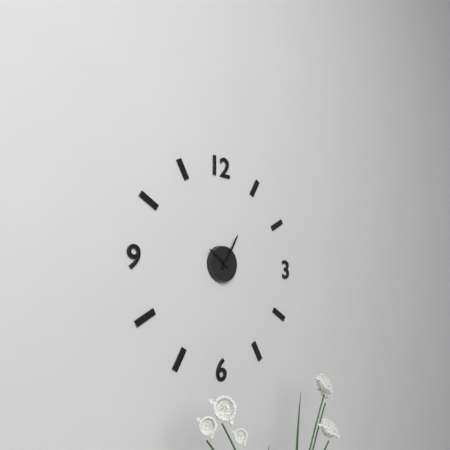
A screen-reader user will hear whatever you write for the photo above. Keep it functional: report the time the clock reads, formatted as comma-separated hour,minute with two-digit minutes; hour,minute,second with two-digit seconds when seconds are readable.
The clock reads 10,05
